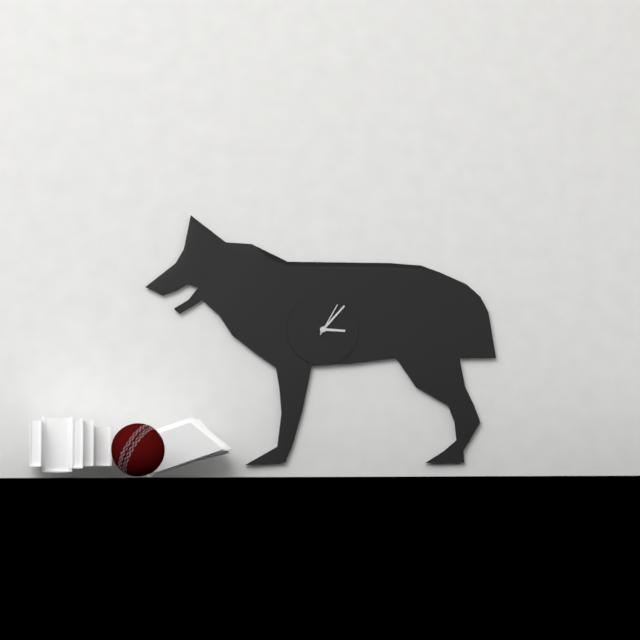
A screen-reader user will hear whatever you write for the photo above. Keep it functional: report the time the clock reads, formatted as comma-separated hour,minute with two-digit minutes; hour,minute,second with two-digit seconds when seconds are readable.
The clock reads 3,07
